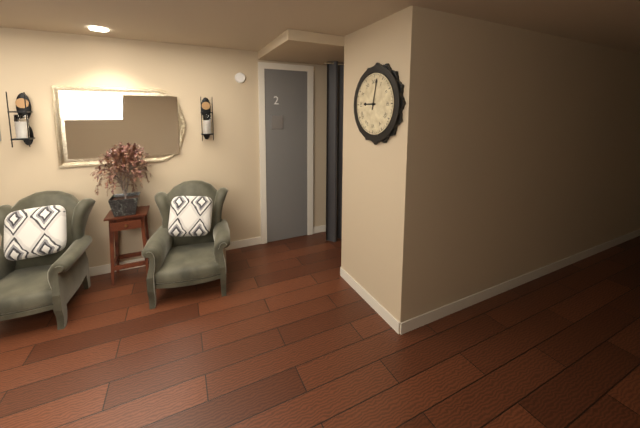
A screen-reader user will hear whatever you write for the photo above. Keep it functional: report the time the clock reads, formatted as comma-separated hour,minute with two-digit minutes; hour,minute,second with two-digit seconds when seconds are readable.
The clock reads 9,02
